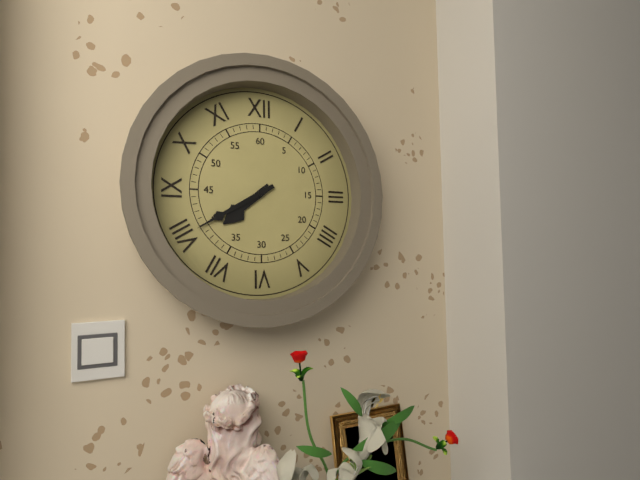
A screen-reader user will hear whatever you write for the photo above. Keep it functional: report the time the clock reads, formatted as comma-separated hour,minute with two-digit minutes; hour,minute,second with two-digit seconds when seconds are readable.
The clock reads 7,40
